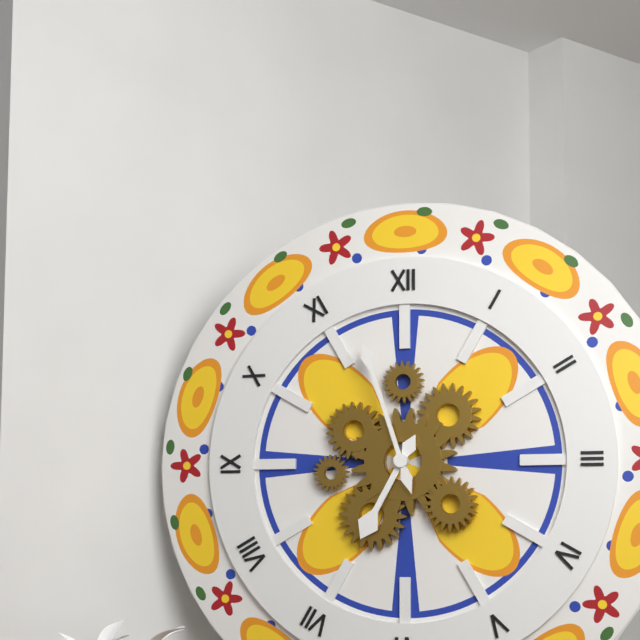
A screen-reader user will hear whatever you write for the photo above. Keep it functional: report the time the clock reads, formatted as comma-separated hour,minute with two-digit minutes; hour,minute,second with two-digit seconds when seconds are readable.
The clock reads 6,57
